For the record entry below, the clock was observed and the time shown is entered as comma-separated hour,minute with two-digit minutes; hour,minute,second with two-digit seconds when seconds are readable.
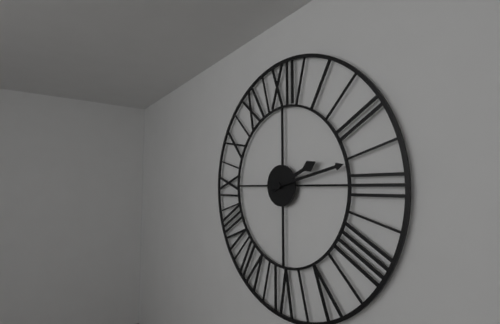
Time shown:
2,13
